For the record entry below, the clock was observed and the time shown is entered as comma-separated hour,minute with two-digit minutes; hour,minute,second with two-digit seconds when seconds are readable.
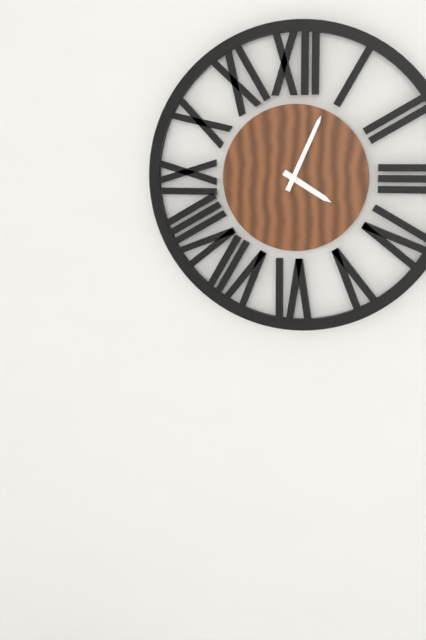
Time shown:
4,04
